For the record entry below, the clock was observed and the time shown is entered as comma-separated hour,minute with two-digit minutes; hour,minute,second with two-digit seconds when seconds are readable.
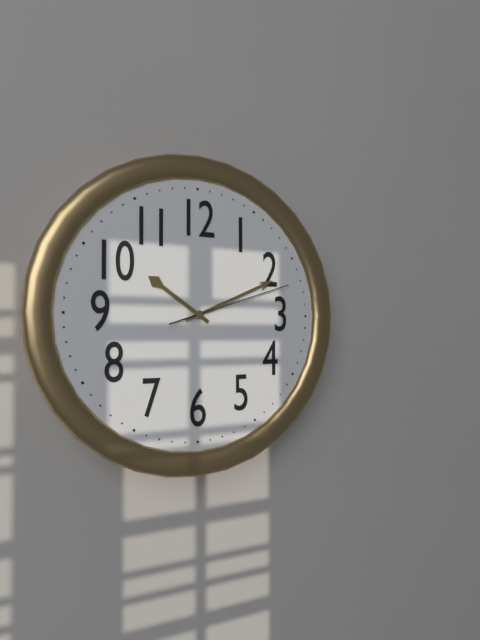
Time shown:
10,11,12
